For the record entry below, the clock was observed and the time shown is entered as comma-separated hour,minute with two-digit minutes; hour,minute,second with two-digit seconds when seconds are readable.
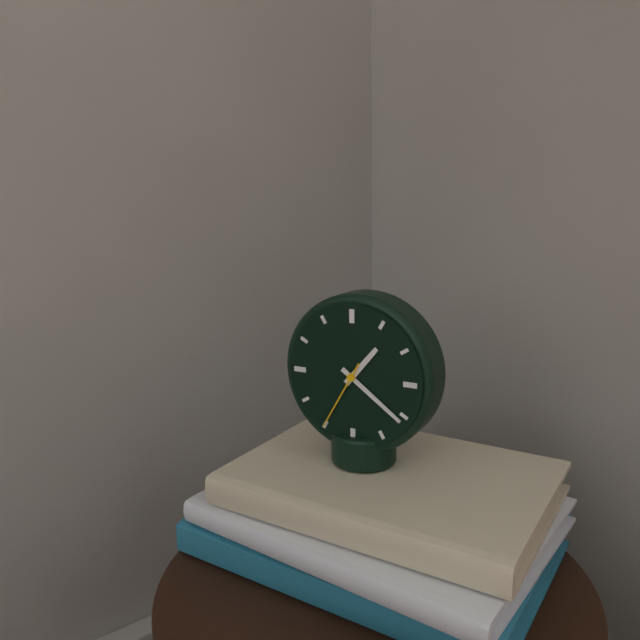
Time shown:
1,21,35
